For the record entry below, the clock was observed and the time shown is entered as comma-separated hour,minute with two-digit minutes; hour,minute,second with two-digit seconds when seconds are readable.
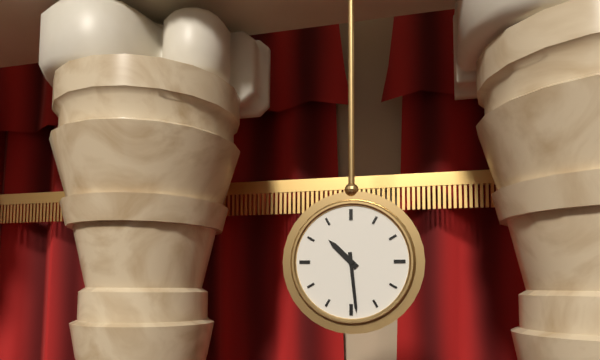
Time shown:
10,29
